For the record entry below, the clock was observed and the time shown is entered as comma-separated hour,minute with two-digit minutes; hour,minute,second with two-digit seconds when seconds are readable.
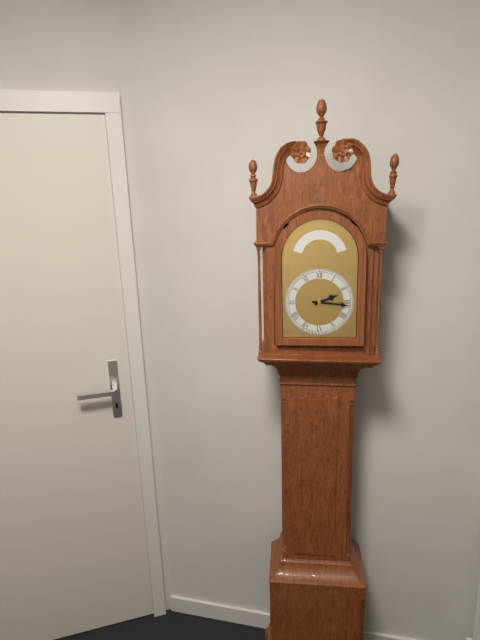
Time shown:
2,16
